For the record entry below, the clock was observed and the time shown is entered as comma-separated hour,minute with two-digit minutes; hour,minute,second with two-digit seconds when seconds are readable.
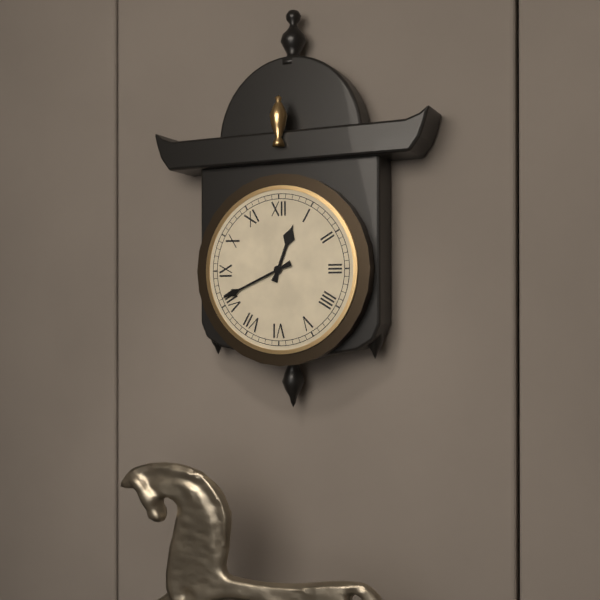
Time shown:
12,41
